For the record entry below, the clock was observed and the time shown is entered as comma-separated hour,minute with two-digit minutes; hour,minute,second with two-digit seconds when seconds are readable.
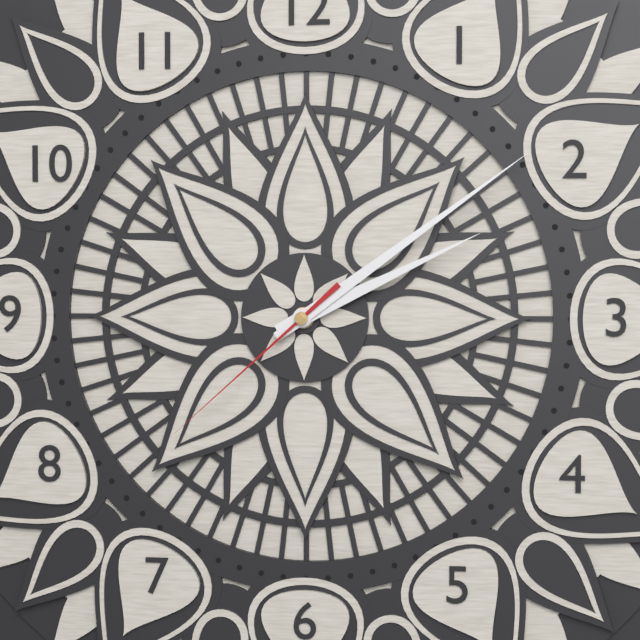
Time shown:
2,09,38
